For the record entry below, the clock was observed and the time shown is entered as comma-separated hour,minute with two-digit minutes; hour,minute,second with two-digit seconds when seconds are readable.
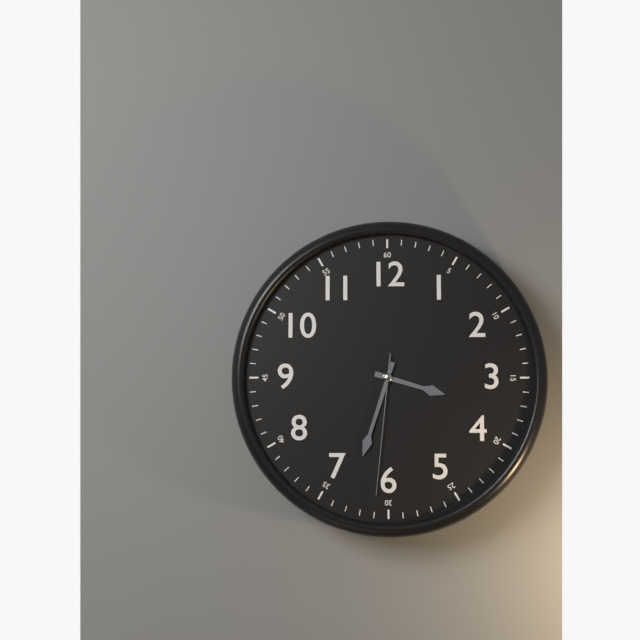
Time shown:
3,33,31
